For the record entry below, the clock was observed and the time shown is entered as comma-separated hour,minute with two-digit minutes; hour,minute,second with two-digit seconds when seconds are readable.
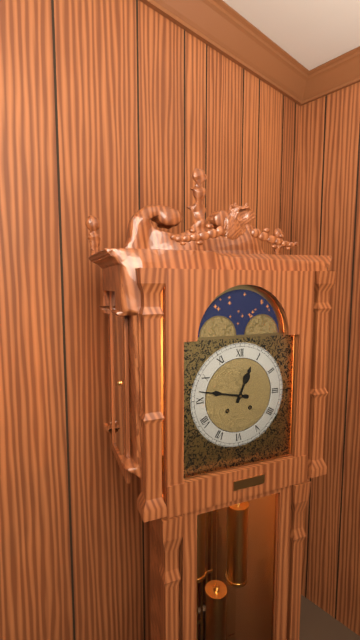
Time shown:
12,47
